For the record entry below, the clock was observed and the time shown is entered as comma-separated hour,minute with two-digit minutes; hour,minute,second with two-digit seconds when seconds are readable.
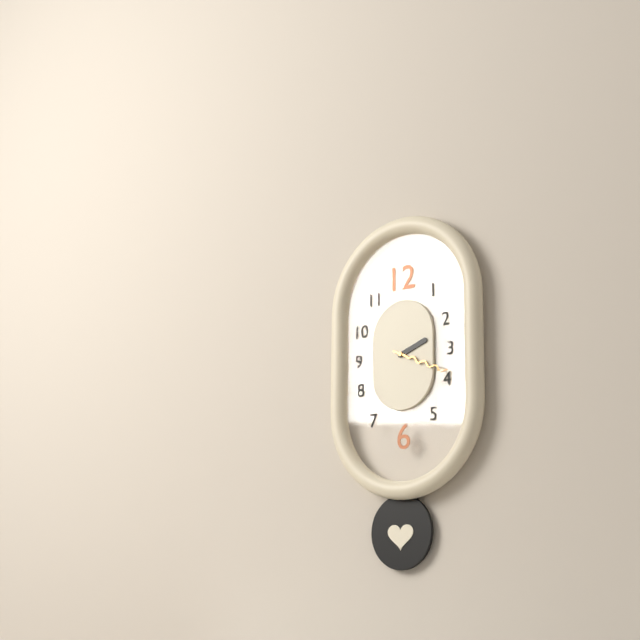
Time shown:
2,19
